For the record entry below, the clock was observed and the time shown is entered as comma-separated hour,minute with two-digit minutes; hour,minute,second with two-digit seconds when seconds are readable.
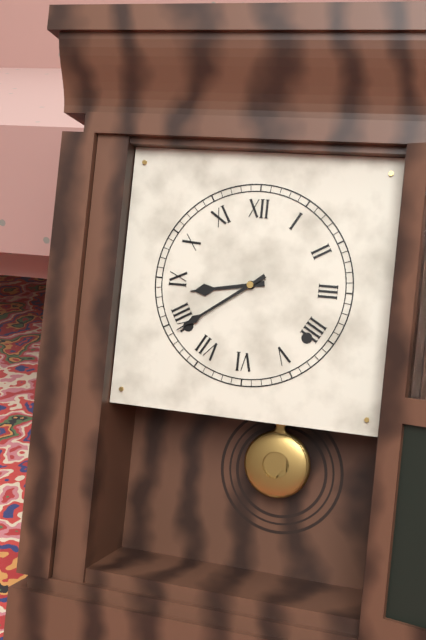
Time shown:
8,39
